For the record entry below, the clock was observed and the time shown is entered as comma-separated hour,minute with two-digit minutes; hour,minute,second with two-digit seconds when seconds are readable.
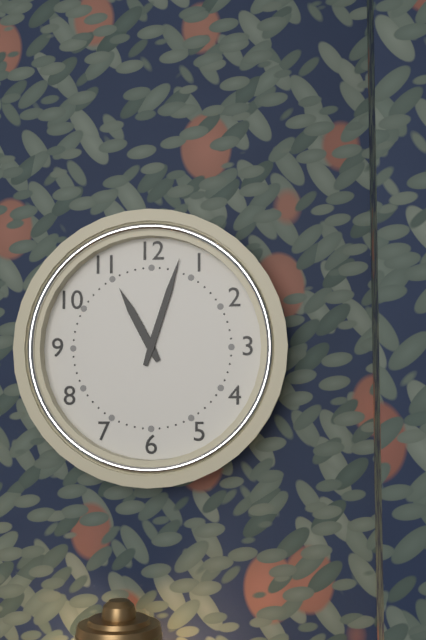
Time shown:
11,03
